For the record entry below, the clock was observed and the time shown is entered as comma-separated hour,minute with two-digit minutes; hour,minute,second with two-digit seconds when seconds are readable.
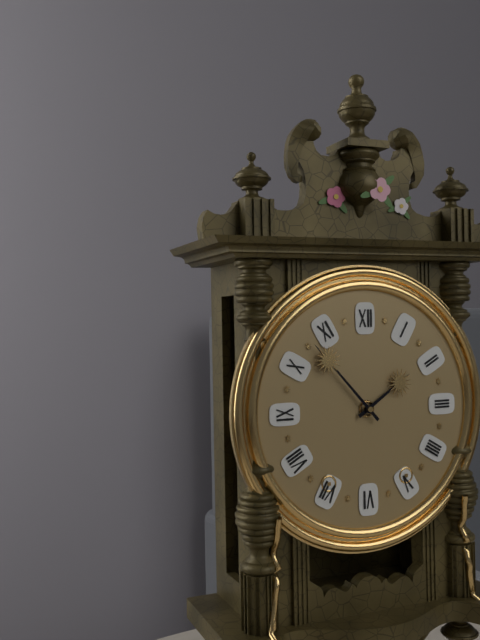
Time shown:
1,53
